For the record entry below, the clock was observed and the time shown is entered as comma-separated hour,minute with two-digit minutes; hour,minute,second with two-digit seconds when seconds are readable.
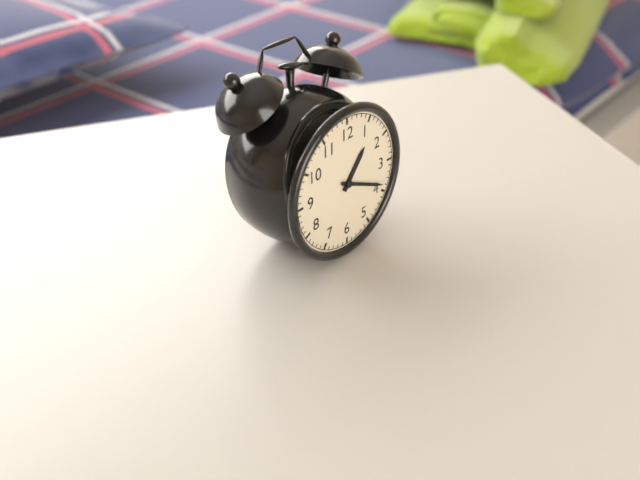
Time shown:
1,19
